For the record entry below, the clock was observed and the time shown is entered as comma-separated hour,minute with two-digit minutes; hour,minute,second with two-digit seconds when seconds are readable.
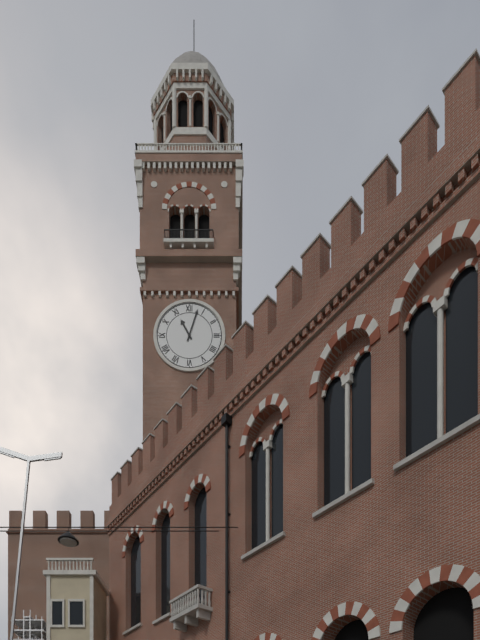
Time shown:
11,03
